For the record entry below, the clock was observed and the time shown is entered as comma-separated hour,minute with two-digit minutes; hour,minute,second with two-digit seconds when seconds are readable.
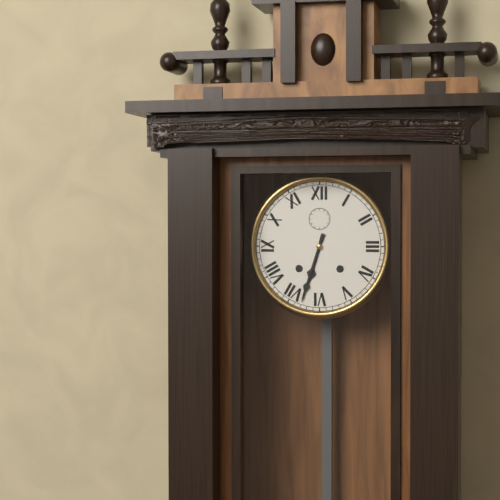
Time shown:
6,33
